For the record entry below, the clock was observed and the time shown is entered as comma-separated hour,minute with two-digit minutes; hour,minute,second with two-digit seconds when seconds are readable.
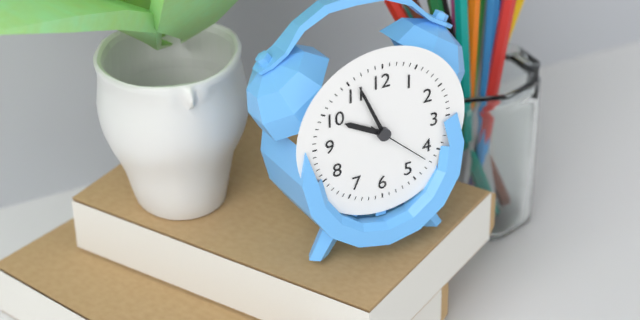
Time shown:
9,56,22
